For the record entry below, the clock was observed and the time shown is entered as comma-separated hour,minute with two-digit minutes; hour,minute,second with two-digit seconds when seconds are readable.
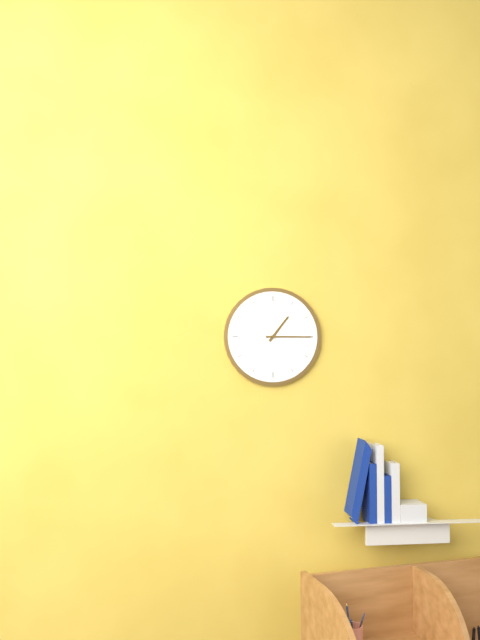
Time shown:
1,15
